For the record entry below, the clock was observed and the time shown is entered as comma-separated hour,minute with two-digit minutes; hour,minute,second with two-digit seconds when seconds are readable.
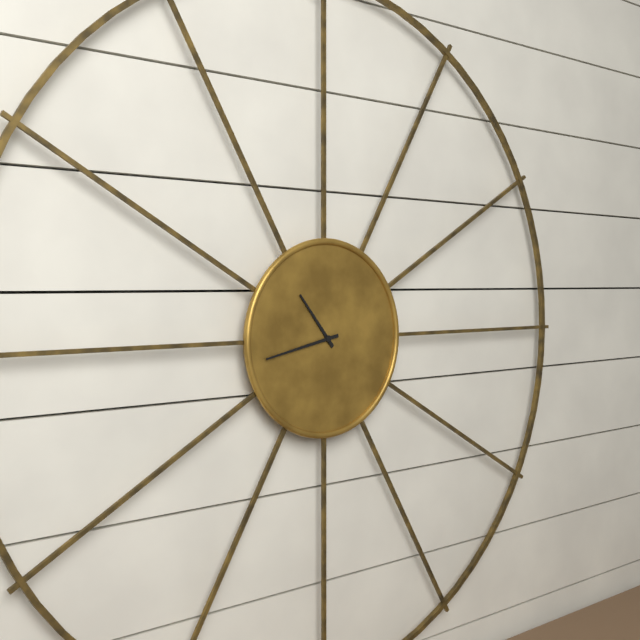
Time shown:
10,43
